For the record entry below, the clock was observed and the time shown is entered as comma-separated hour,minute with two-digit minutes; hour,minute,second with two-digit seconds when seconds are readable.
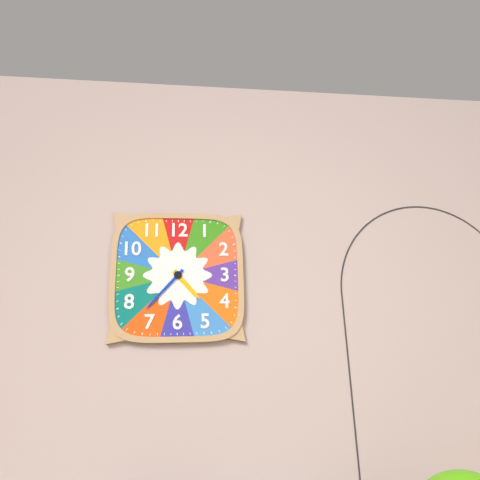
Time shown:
4,37
